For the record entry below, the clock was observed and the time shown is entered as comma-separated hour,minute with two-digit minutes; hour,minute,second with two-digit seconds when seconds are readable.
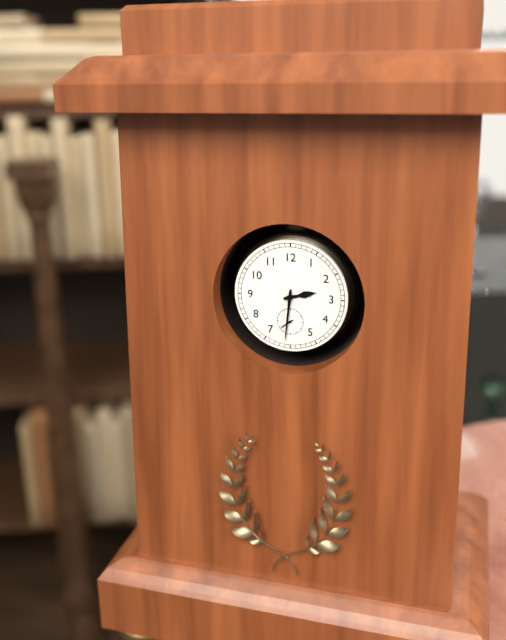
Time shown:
2,31
